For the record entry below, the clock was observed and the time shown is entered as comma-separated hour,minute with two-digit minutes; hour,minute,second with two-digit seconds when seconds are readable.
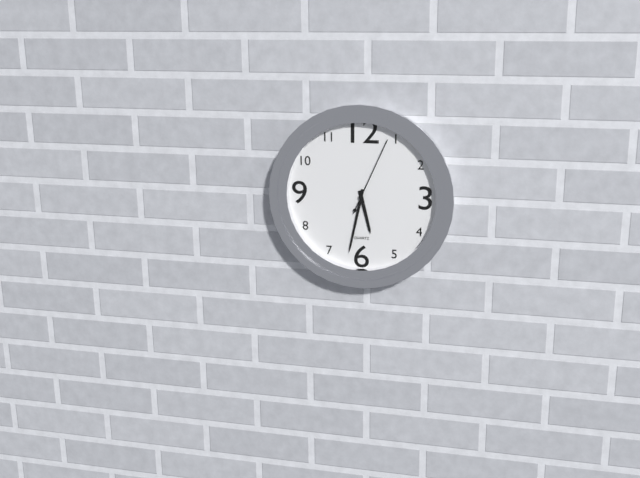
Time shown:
5,32,04
